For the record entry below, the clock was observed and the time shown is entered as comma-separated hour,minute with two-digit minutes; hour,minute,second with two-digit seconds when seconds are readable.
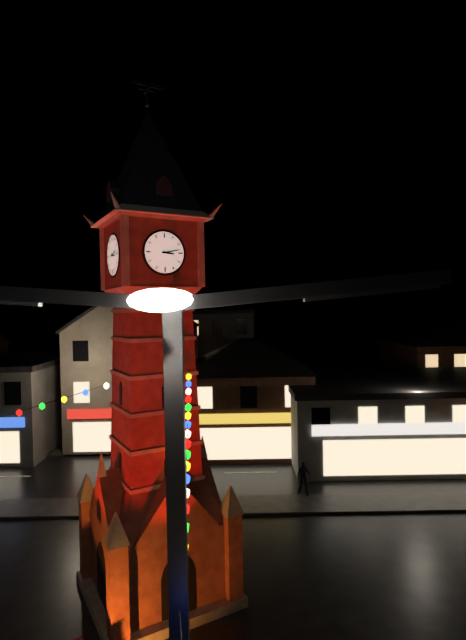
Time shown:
3,13
